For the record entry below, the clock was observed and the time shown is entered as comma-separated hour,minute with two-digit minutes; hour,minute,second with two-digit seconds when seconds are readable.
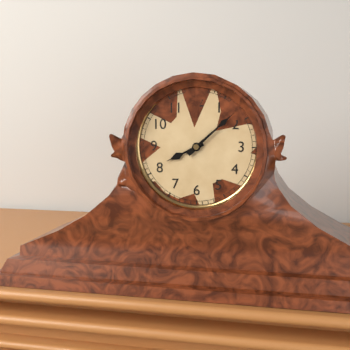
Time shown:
8,08
